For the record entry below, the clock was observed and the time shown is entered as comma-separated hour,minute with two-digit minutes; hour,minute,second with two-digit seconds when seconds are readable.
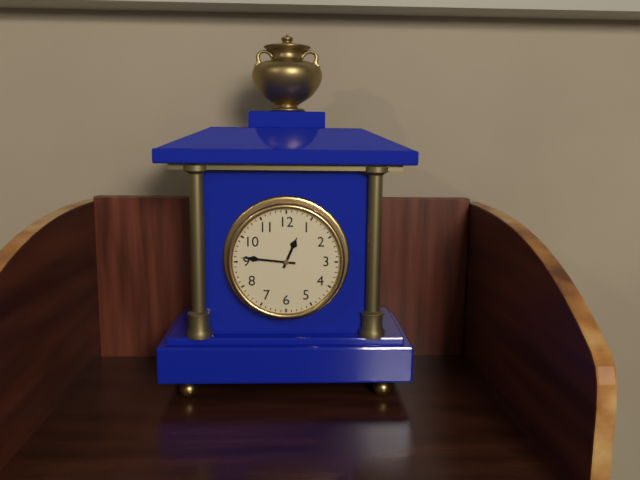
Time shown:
12,46
